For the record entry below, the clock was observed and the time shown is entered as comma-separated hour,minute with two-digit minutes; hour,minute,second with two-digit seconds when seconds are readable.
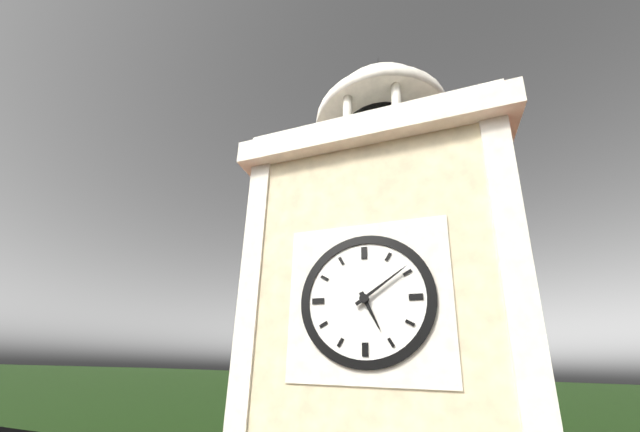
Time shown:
5,09
